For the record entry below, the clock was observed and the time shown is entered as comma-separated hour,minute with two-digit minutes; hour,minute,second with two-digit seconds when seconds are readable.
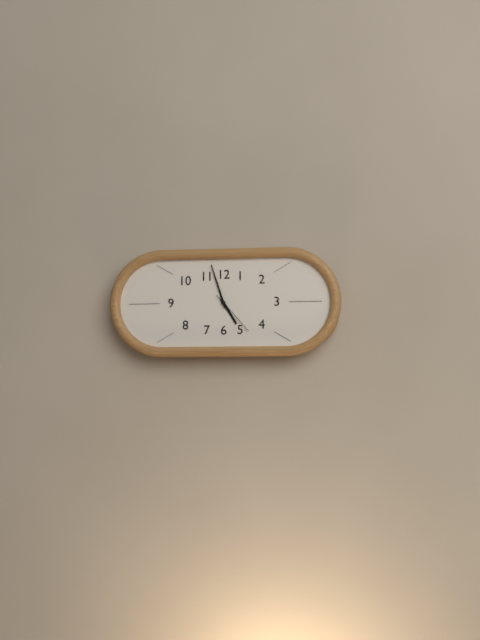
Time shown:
4,57
